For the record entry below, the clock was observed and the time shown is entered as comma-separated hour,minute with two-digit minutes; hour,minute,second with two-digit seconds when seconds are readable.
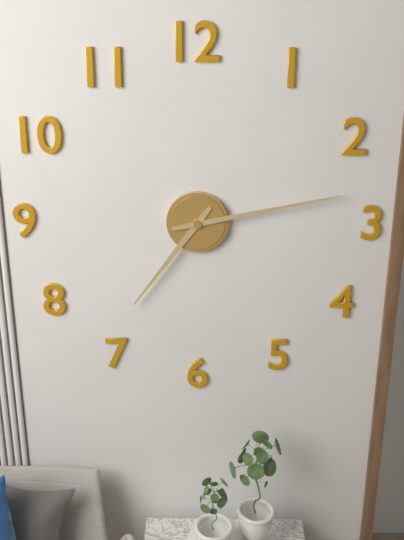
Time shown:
7,13
